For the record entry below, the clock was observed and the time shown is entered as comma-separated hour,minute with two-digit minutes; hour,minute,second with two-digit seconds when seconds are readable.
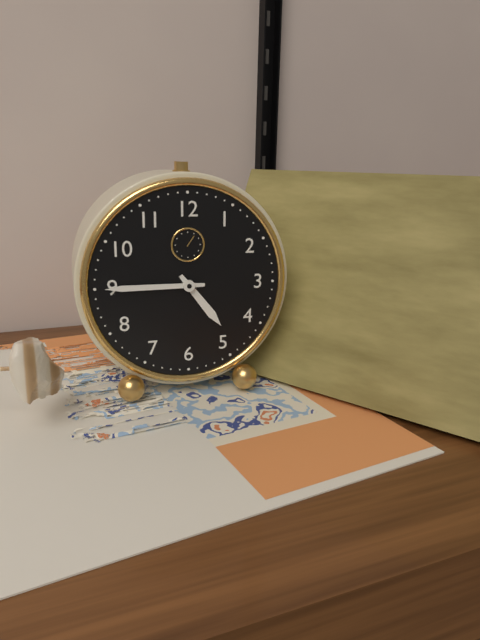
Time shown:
4,45
